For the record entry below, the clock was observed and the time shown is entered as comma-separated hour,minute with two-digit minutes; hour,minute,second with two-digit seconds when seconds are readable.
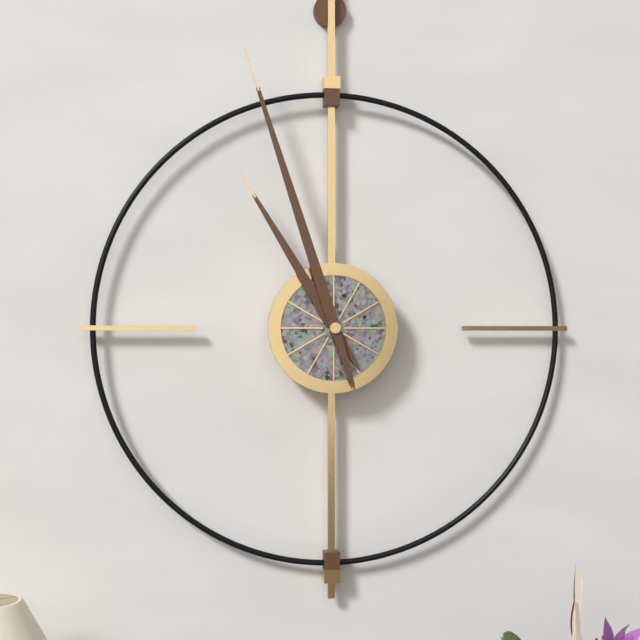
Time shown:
10,57
